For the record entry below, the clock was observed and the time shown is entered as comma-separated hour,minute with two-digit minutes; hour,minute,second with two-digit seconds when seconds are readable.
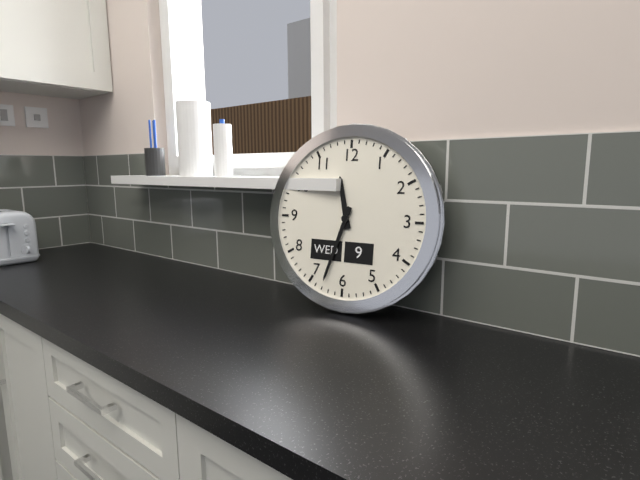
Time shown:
11,33
